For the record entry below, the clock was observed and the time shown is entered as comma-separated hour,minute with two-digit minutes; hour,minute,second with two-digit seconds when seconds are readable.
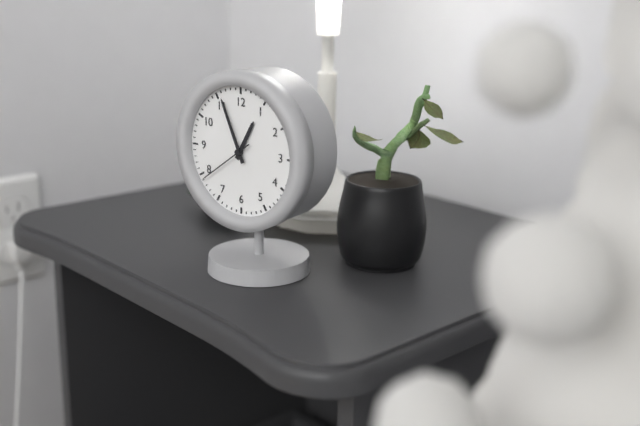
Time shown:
12,56,39
